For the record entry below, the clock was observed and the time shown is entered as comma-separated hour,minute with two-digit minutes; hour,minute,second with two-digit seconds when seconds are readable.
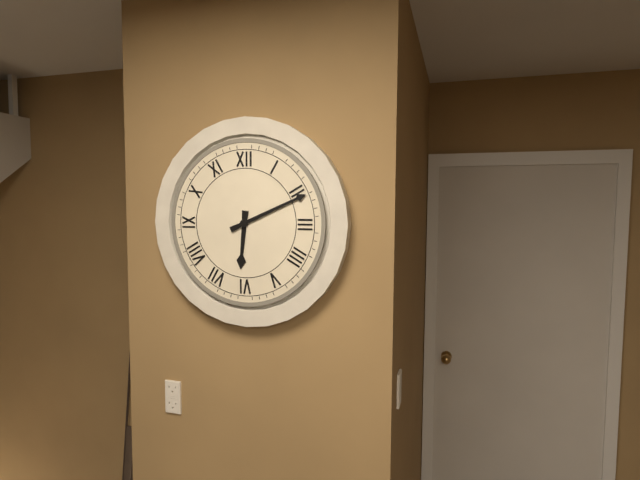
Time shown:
6,11
